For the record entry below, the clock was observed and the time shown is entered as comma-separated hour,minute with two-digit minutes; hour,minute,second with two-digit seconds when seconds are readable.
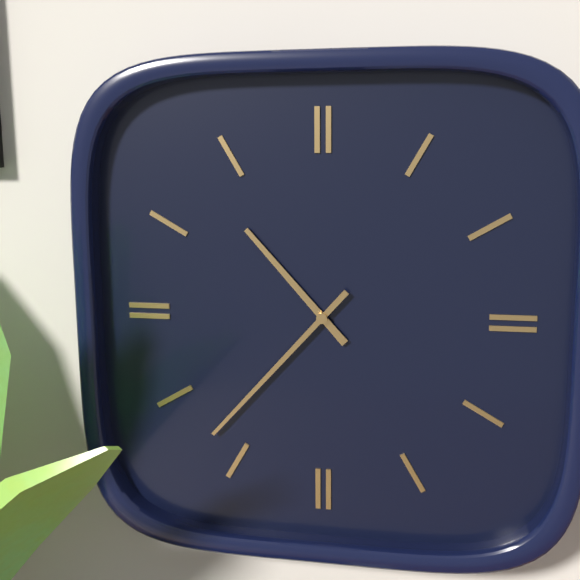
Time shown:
10,37
